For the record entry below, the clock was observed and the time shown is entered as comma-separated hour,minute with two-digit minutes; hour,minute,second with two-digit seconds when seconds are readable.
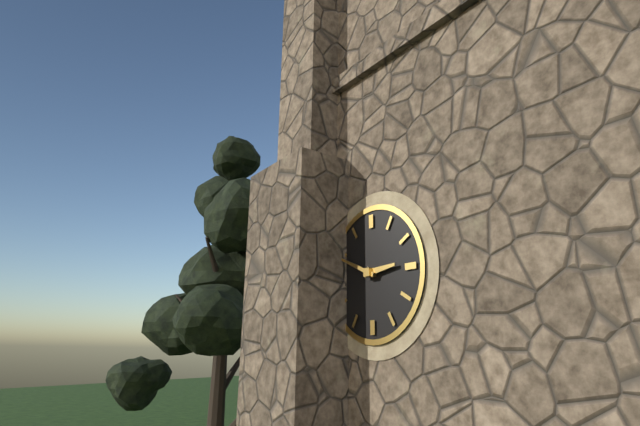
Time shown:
2,49
